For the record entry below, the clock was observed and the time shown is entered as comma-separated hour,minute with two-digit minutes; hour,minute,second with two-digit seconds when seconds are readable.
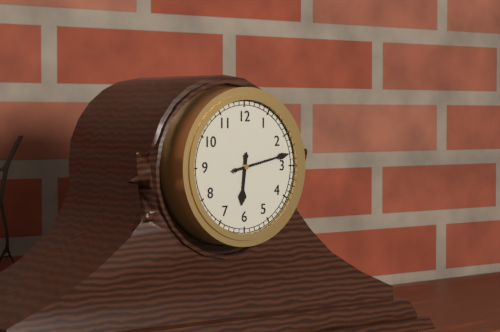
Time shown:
6,13
